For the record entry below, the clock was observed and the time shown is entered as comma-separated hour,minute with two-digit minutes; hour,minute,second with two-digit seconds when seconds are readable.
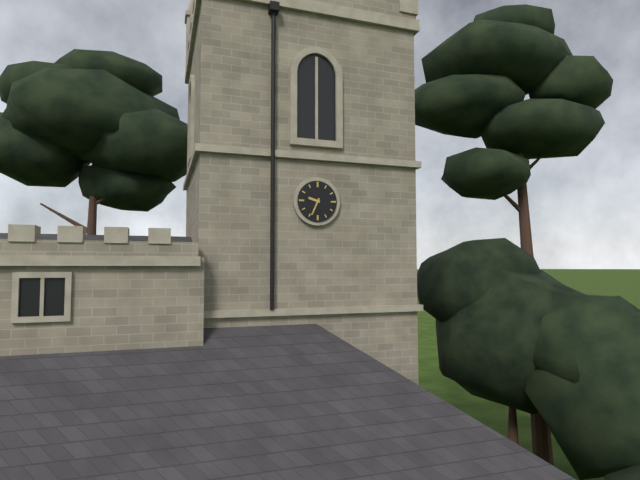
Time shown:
9,34
